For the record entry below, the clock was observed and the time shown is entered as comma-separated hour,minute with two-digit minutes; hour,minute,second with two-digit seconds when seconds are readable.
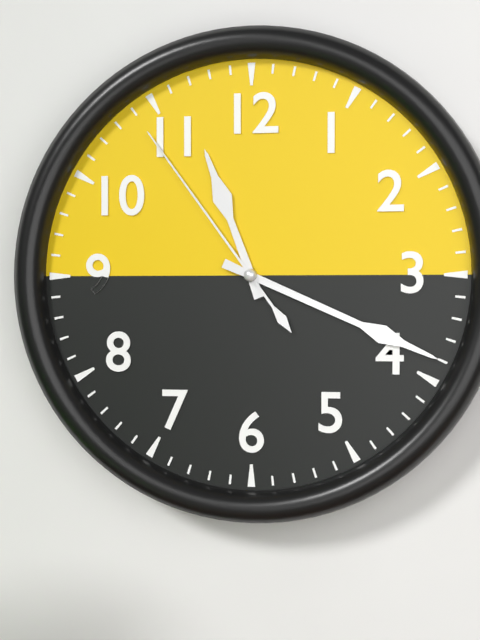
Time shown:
11,19,54
